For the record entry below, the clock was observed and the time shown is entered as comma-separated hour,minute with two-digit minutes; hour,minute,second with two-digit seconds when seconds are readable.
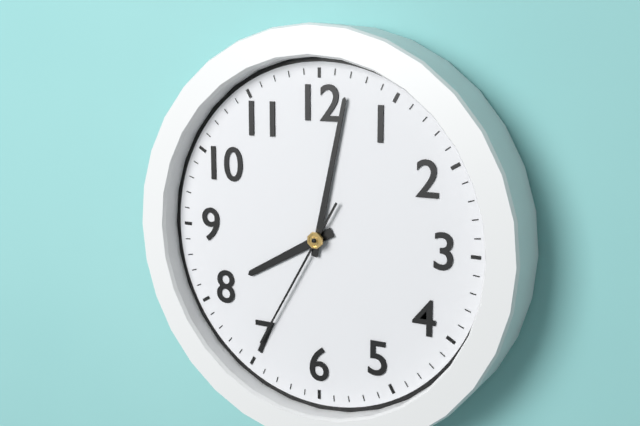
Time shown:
8,02,35
